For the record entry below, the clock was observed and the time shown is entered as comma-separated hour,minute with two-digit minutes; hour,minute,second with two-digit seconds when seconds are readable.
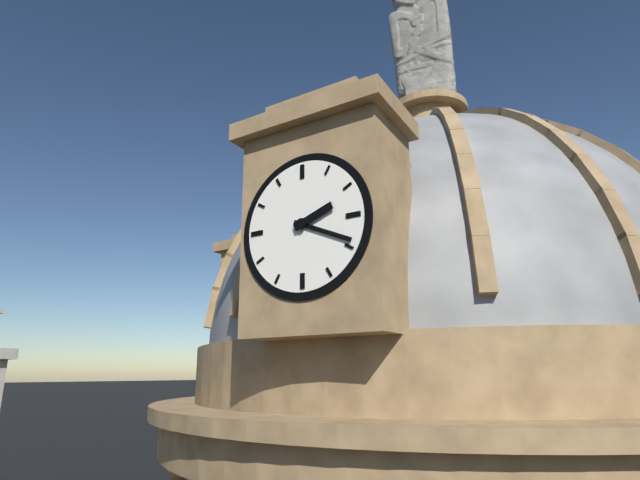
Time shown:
2,19
